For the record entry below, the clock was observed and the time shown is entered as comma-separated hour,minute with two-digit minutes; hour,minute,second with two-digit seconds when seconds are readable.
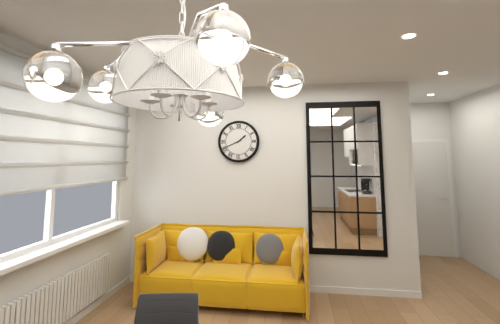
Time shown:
1,41
